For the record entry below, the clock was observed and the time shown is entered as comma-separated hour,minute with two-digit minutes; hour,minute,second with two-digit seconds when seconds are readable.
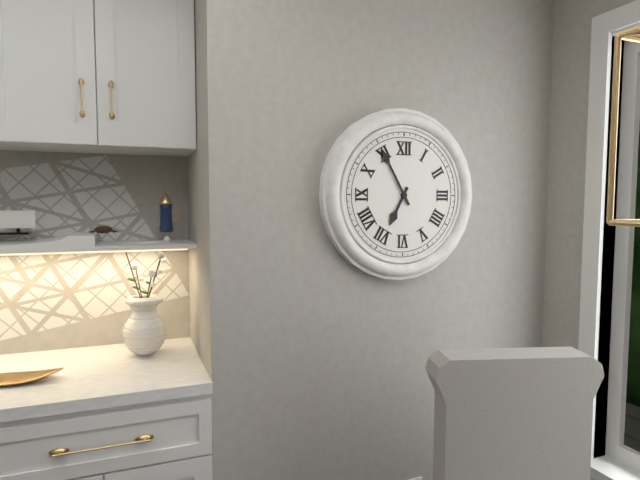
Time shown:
6,55
